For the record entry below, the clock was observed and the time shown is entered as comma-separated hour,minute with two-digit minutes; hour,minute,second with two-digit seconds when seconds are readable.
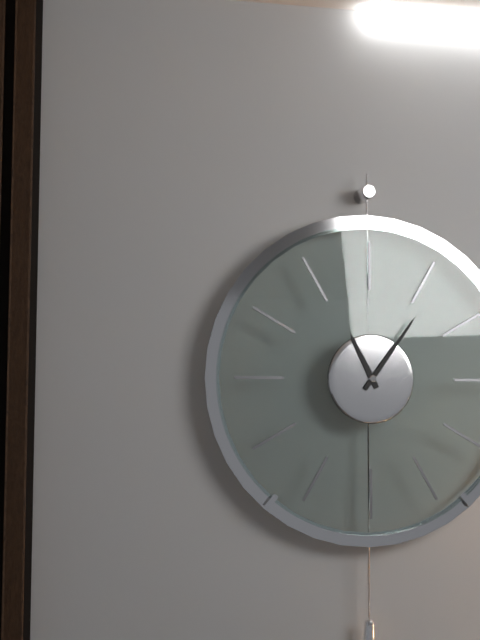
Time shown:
11,06
